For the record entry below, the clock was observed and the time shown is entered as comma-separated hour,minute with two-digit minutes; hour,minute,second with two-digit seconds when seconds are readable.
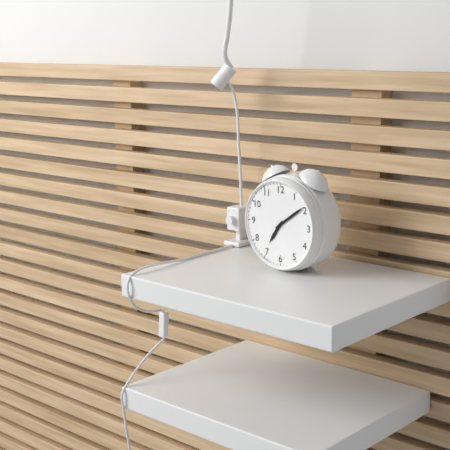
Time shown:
7,09
